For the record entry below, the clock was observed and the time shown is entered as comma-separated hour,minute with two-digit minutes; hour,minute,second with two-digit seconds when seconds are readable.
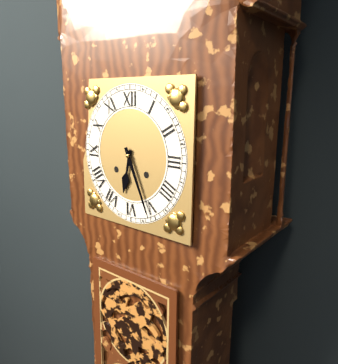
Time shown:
6,26
